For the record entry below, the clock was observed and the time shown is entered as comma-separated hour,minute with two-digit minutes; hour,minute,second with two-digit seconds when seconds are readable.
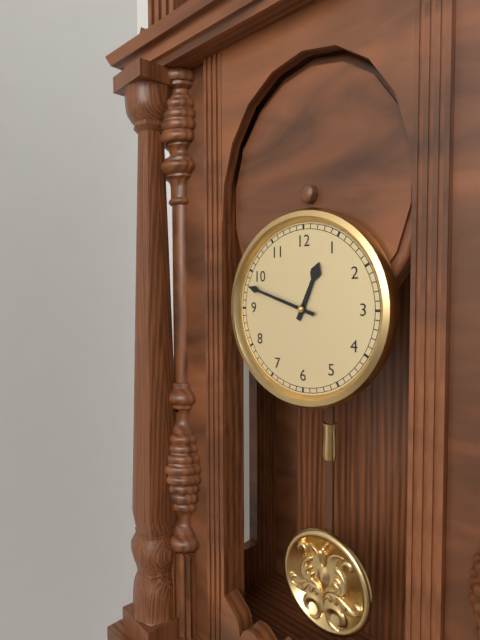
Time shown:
12,48
